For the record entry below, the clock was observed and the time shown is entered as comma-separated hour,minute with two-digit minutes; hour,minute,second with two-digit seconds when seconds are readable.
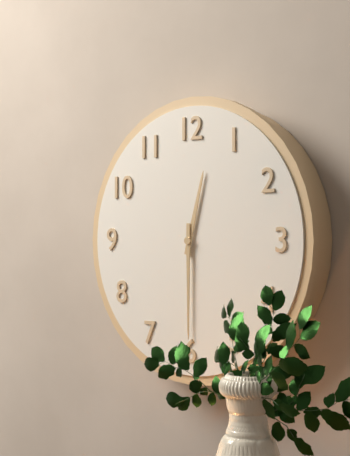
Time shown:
12,30
